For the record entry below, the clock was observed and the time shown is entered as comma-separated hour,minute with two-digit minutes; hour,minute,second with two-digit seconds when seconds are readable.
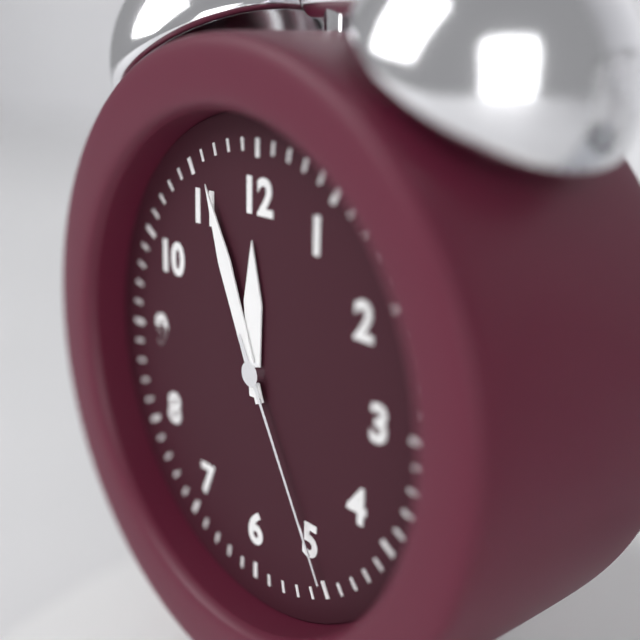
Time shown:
11,56,25
